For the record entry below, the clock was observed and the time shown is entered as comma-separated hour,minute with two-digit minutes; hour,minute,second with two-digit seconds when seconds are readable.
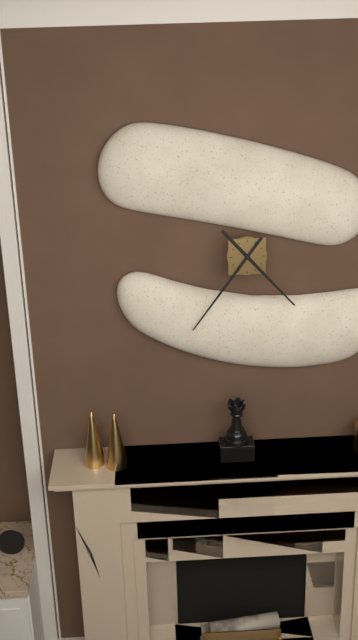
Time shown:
4,36
